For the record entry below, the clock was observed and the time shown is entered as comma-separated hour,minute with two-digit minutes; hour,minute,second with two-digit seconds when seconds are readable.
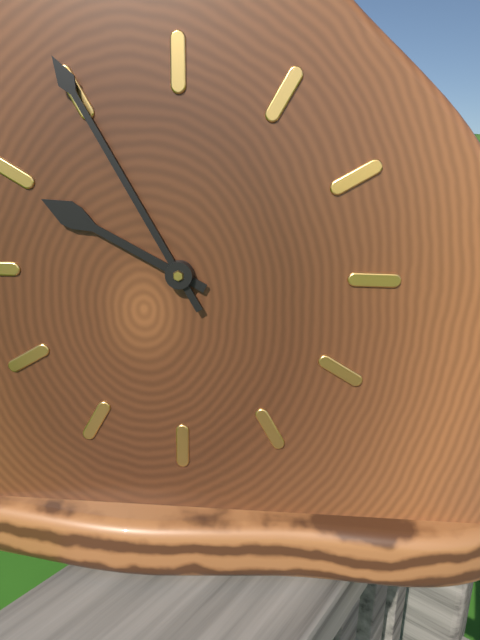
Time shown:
9,55
